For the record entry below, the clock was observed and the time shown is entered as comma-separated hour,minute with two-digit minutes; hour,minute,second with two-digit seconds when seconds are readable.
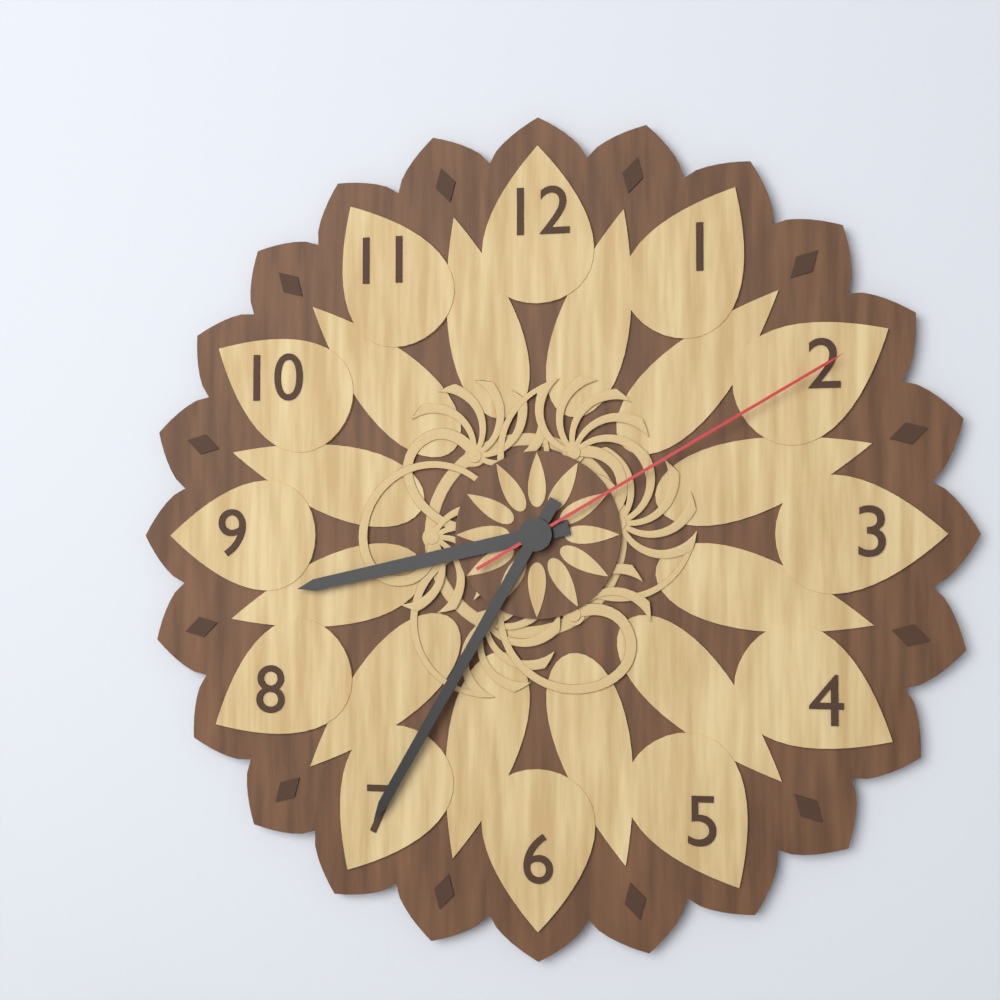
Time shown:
8,35,10
